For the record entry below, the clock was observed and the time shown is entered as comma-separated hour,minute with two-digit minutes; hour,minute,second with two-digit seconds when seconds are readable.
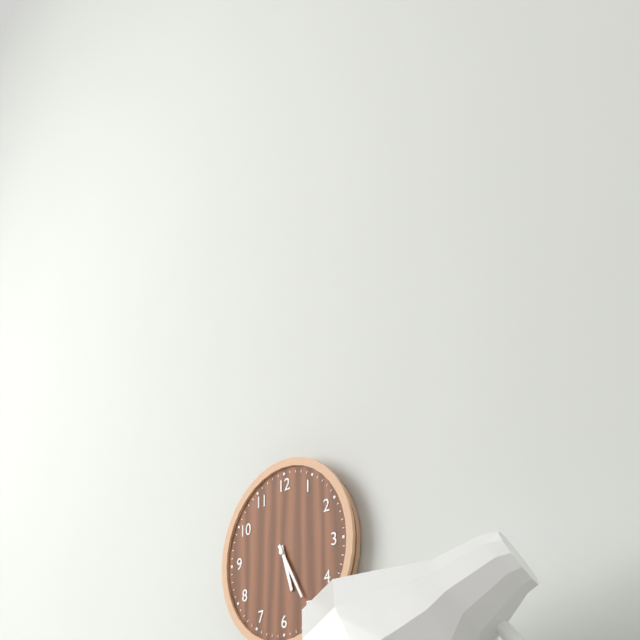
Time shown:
5,25
